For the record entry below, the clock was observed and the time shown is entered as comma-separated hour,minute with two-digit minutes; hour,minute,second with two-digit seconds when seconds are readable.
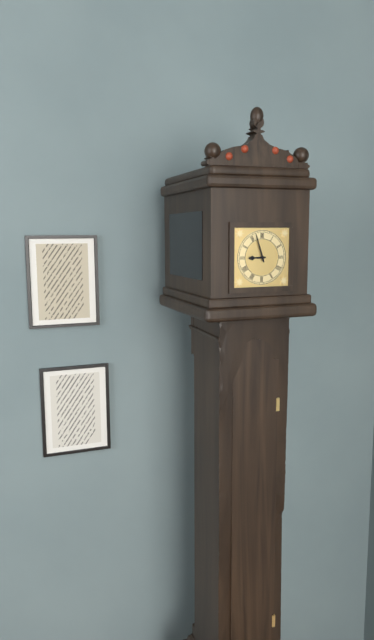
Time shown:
8,57
